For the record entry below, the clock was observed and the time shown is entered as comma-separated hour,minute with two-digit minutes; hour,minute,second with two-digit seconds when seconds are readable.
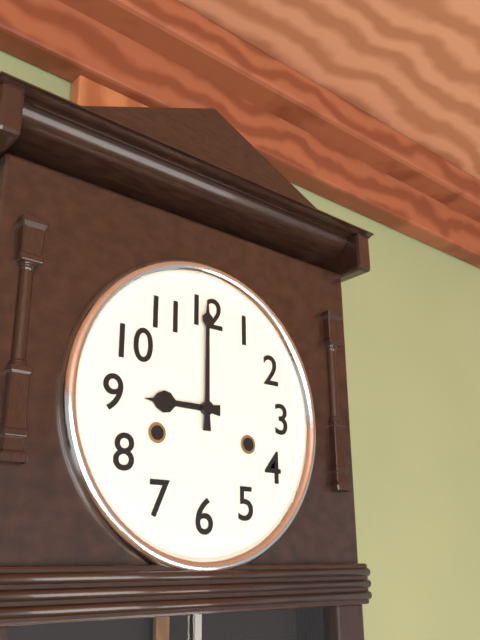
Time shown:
9,00
